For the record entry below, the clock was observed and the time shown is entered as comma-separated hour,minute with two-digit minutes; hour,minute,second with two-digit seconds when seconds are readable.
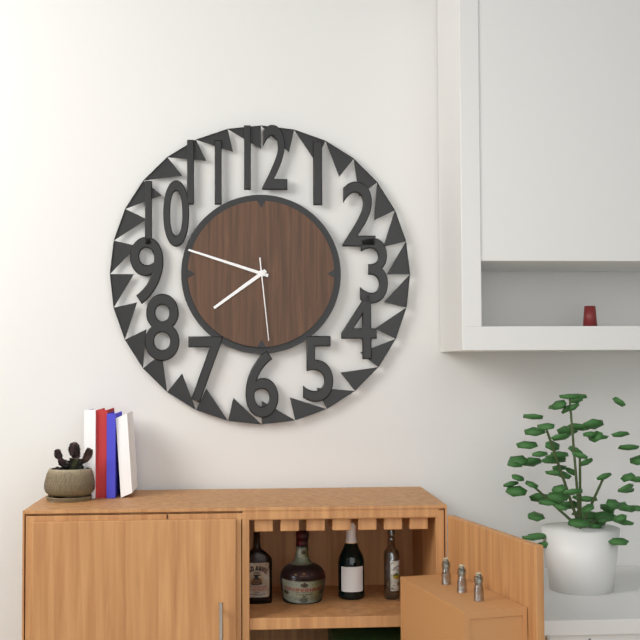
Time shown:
7,48,29
